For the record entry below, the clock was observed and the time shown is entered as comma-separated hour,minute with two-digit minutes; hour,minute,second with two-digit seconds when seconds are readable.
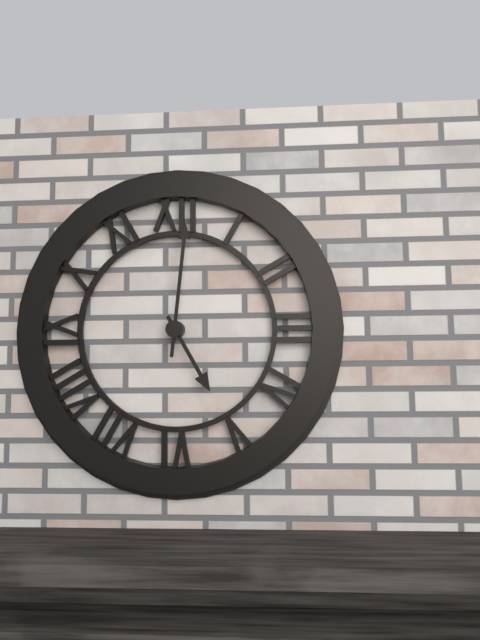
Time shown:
5,01
